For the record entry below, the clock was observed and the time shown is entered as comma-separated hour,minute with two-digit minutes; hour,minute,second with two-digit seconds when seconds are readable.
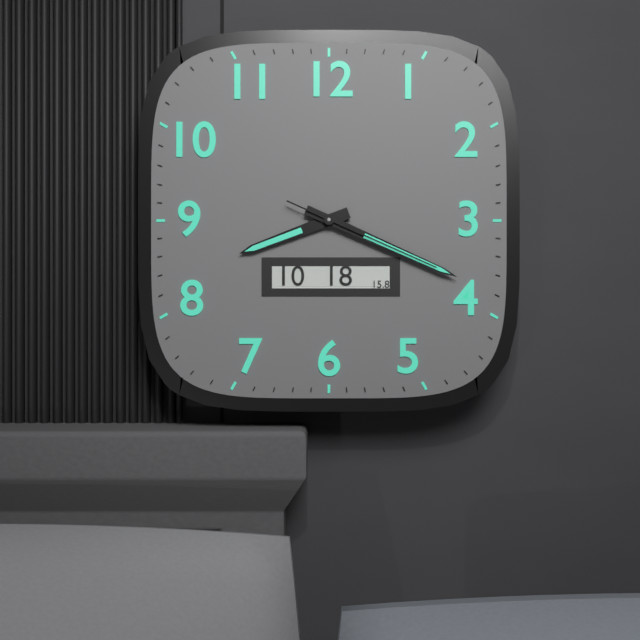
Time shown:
8,19,19
